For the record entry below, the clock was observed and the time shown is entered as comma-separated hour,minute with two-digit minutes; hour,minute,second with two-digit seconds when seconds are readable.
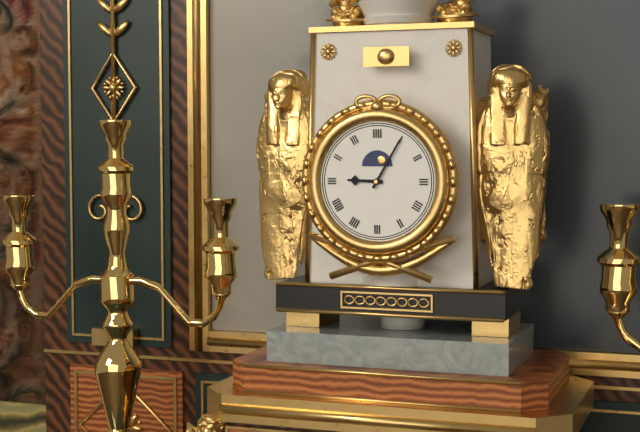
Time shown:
9,05
